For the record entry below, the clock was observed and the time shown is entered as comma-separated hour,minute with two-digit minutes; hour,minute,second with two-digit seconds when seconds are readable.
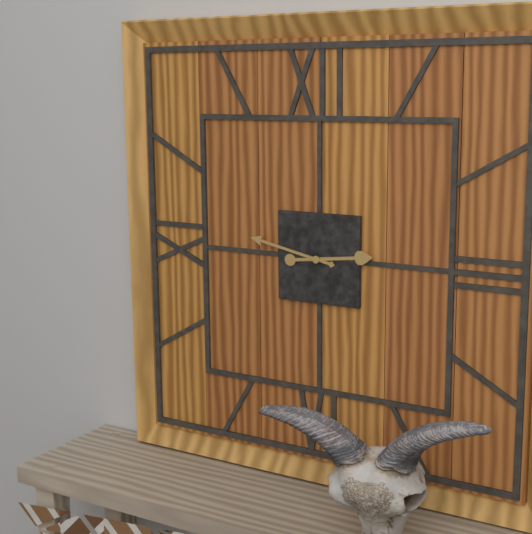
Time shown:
2,47
